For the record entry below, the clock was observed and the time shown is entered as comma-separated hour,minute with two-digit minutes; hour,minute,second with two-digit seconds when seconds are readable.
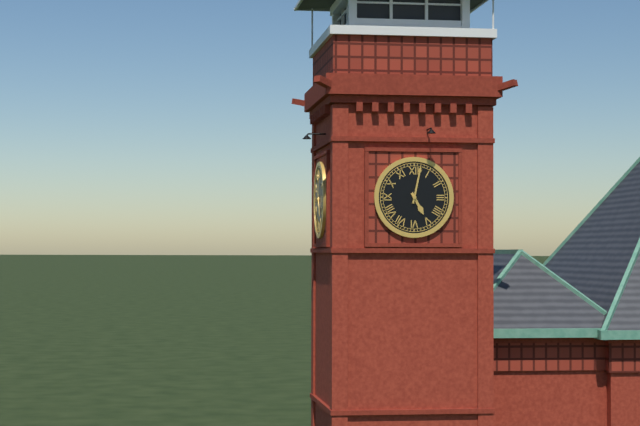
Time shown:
5,02
